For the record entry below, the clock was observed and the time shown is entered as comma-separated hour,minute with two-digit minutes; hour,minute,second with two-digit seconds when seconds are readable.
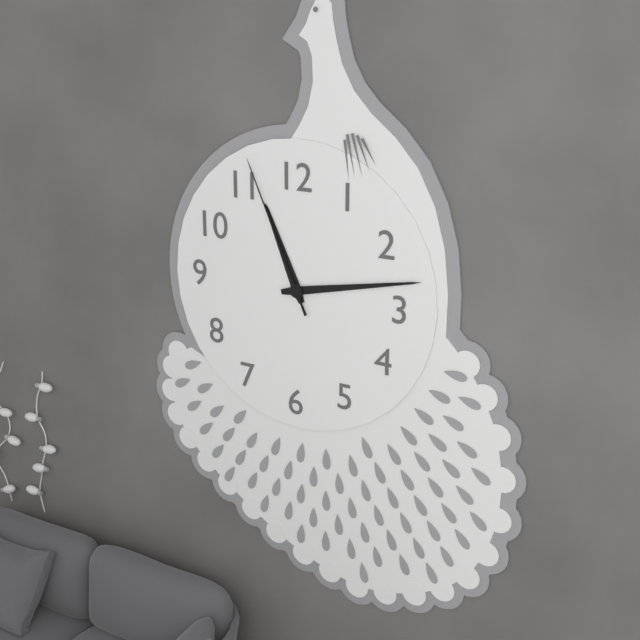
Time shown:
11,13,56
